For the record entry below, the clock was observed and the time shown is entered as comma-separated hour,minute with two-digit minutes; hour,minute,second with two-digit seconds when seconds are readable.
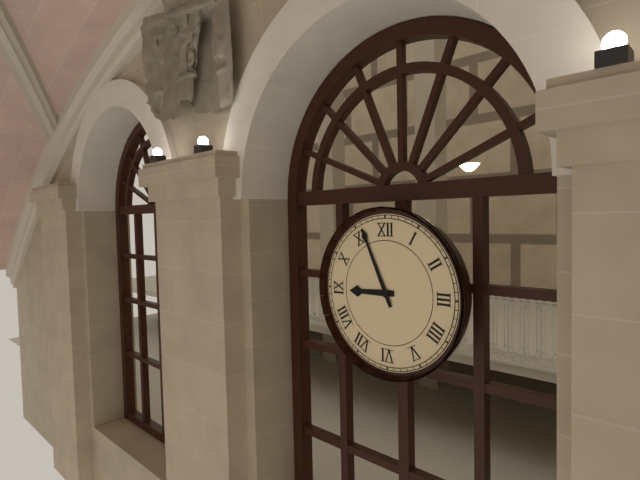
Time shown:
8,56
